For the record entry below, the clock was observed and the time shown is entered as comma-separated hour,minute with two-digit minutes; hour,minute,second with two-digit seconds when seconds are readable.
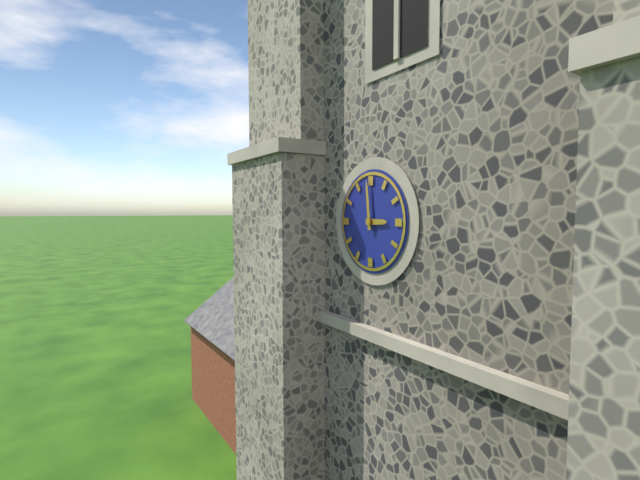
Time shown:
2,59
